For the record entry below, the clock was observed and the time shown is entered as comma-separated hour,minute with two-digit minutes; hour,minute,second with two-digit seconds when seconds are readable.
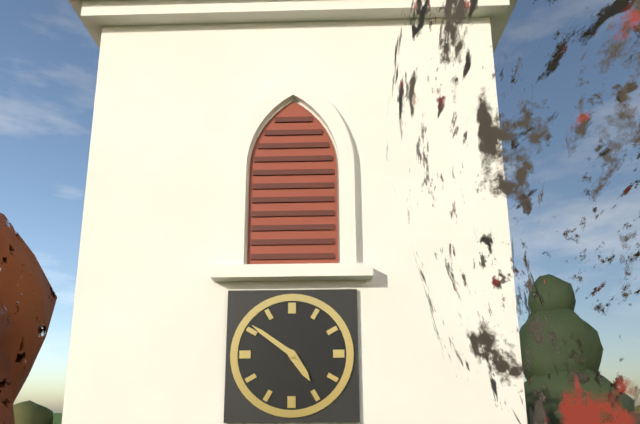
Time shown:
4,51
